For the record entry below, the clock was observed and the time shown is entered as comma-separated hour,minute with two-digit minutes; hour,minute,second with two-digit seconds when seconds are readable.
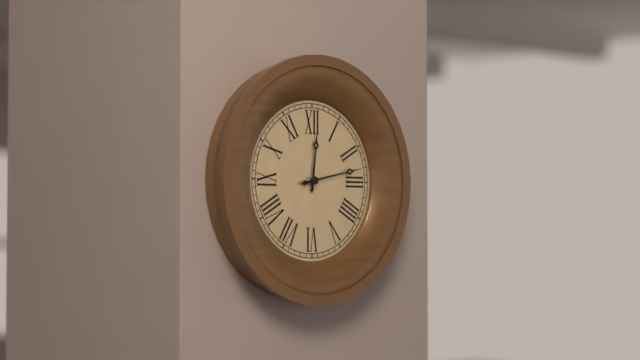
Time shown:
12,13
